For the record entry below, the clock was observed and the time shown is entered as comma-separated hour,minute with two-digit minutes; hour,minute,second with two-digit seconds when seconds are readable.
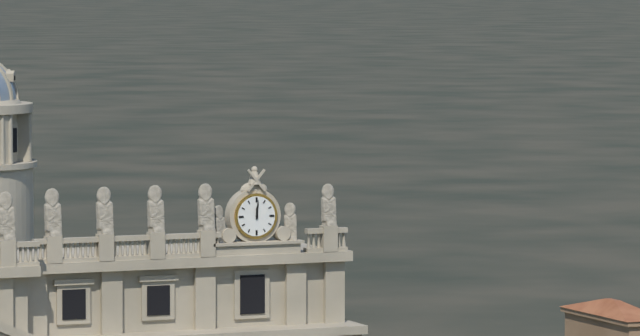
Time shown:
12,01
